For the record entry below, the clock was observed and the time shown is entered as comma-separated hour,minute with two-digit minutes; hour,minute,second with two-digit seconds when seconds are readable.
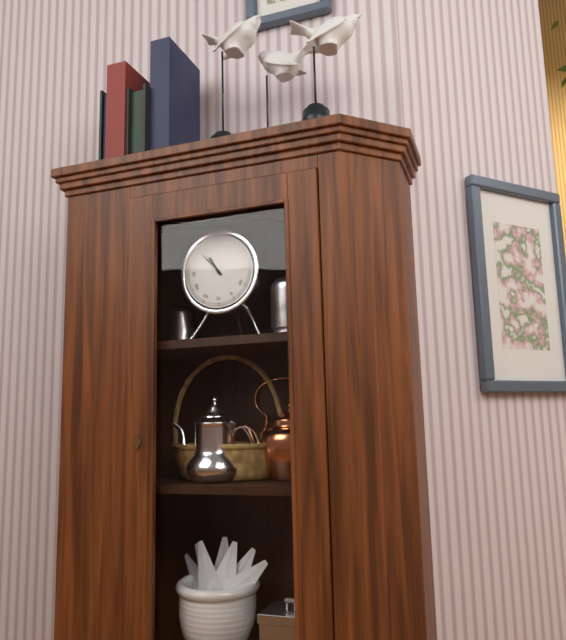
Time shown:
10,53
